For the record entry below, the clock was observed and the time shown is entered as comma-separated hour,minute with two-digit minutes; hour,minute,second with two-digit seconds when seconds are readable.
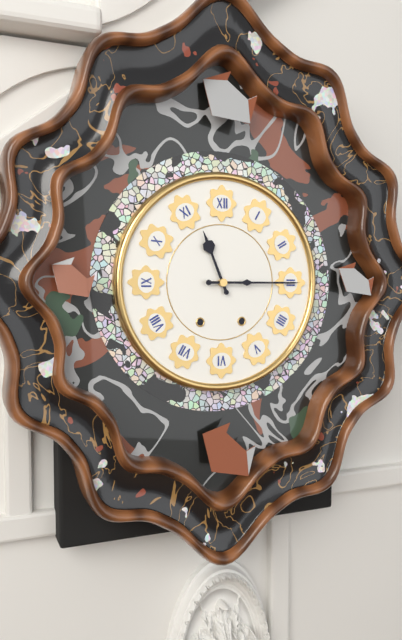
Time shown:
11,15
